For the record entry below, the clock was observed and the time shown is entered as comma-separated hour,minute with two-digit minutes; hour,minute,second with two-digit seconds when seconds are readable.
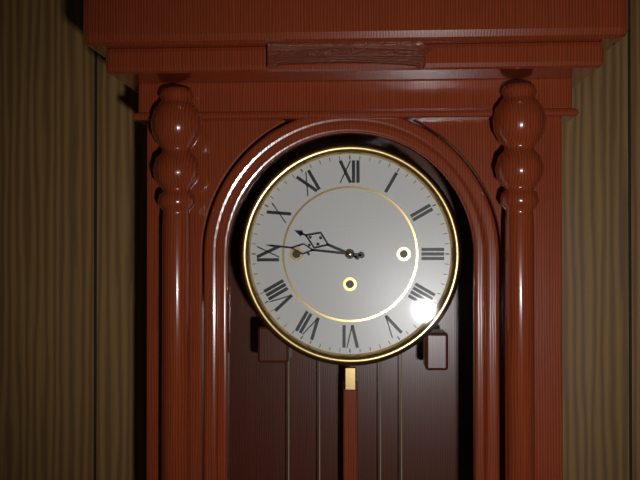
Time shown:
9,46
